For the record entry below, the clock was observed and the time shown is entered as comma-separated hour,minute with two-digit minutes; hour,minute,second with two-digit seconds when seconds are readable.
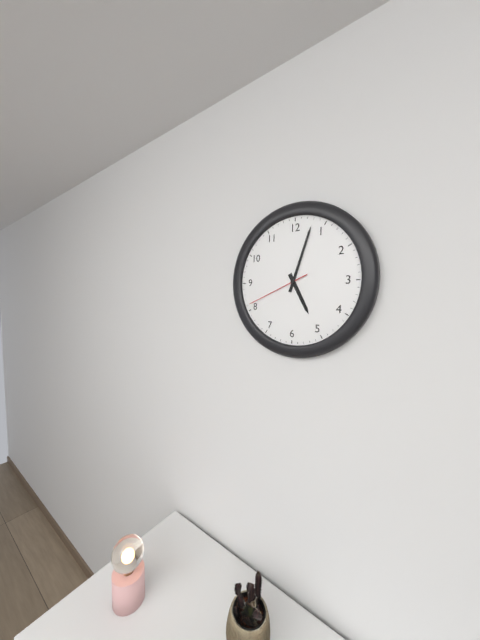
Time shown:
5,03,41
